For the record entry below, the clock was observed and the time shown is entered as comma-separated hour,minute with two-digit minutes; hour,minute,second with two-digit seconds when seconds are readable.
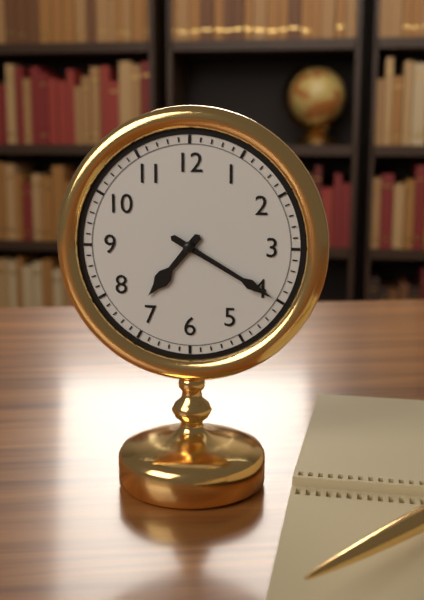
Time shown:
7,20
